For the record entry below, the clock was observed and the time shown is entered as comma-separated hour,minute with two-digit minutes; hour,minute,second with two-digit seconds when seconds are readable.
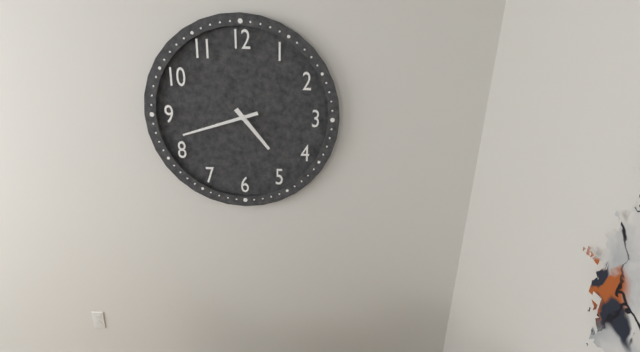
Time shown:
4,42
